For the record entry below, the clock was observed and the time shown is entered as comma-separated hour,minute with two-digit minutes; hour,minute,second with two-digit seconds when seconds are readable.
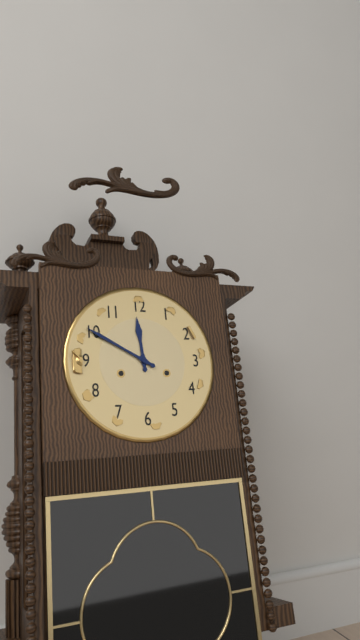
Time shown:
11,50
